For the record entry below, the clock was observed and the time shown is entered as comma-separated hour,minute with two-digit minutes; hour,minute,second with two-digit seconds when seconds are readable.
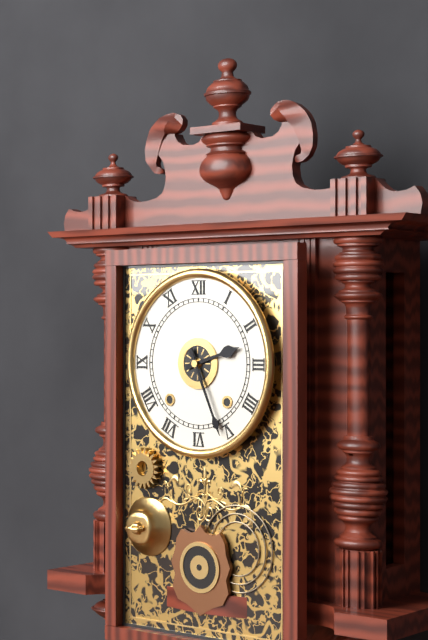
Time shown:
2,26
